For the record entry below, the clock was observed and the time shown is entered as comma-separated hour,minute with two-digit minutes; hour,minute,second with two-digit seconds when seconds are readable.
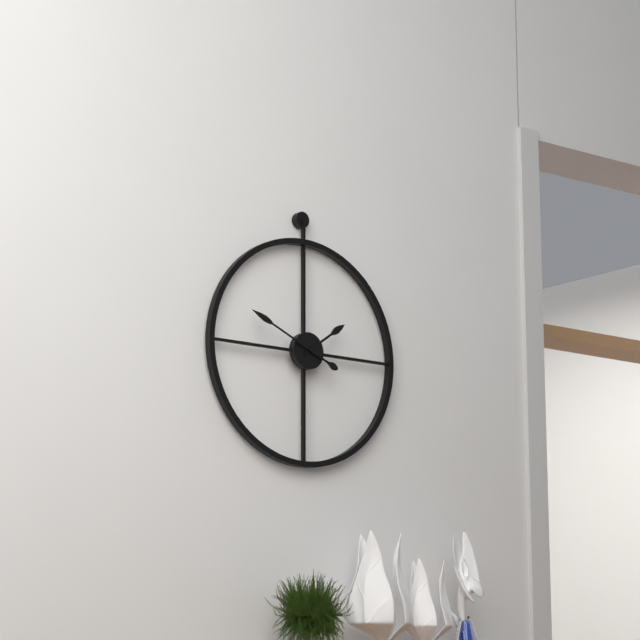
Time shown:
1,49
